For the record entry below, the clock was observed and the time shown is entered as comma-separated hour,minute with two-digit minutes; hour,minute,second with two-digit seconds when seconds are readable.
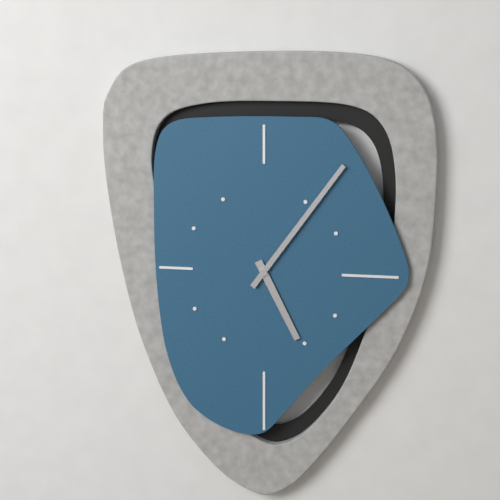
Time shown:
5,06
